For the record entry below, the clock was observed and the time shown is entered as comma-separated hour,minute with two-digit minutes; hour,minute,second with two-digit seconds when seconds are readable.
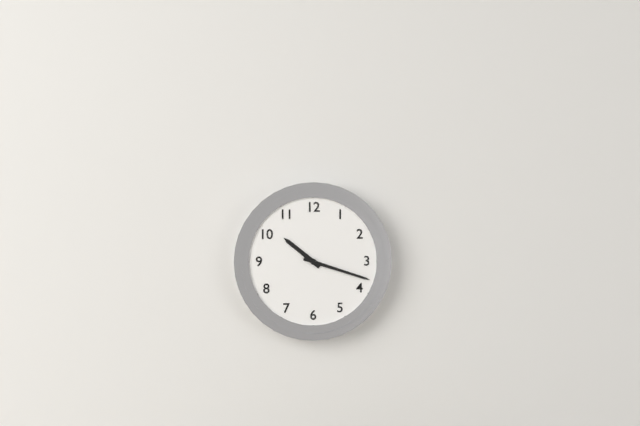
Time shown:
10,18
